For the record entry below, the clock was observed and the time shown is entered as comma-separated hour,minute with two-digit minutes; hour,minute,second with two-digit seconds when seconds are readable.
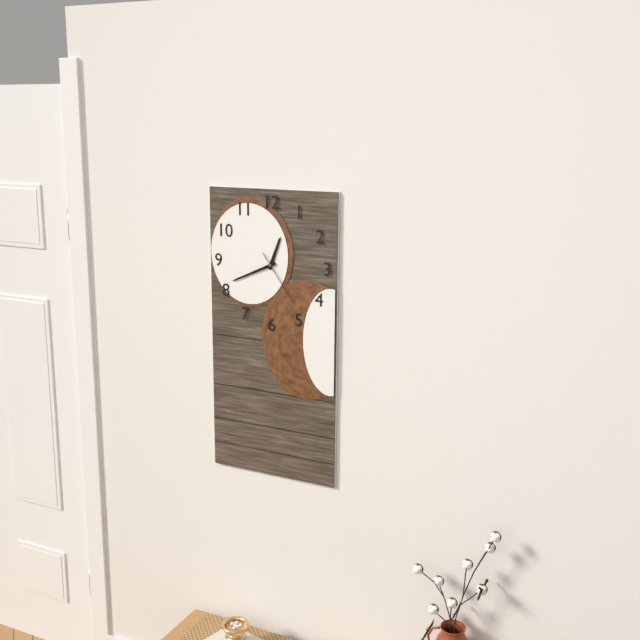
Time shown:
12,41,24
